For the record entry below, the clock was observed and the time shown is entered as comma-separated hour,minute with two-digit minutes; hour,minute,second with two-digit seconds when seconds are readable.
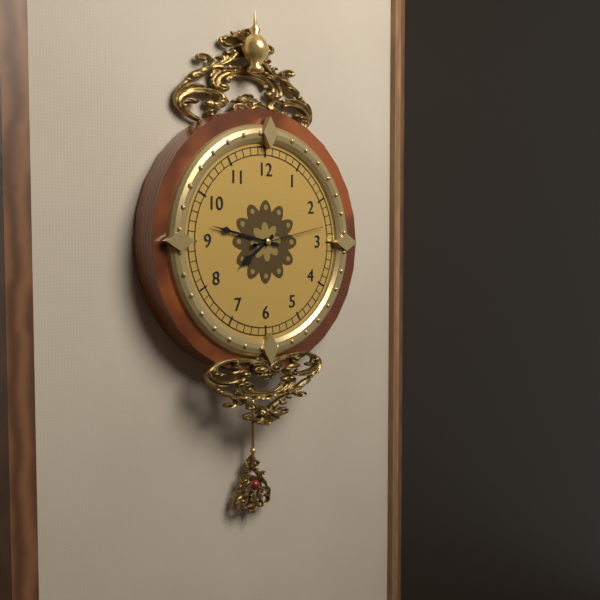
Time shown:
7,47,13
